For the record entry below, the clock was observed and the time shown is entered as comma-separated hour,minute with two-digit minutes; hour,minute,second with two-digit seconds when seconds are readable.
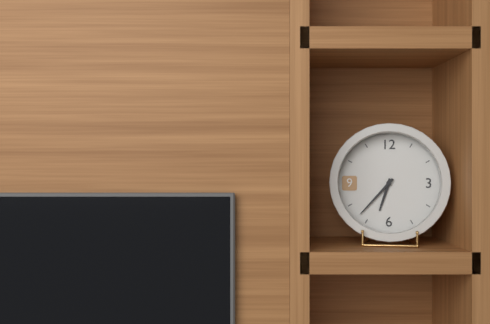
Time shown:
6,37
